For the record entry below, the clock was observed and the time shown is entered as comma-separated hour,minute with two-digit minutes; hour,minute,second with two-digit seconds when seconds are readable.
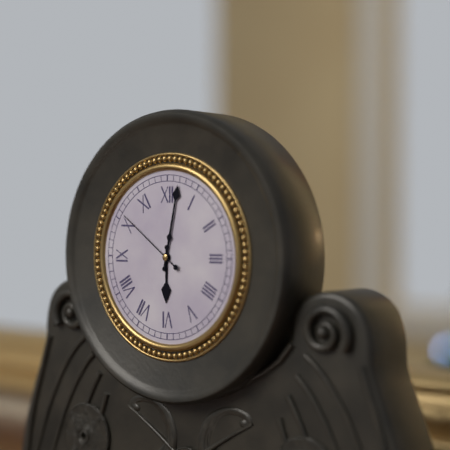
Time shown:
6,02,51
